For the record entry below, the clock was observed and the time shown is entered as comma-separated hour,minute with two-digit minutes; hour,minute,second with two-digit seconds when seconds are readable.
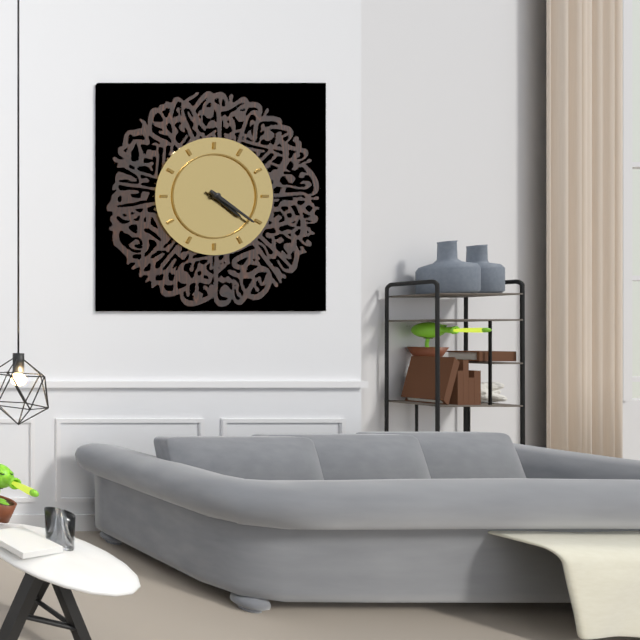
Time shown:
4,21
